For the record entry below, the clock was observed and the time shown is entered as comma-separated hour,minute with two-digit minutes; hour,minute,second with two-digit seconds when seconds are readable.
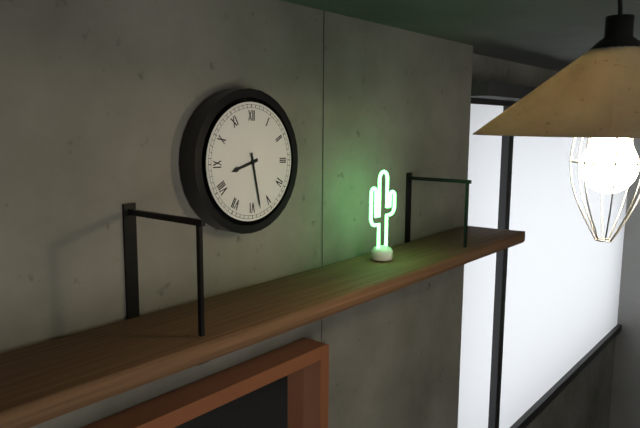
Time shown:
8,28
